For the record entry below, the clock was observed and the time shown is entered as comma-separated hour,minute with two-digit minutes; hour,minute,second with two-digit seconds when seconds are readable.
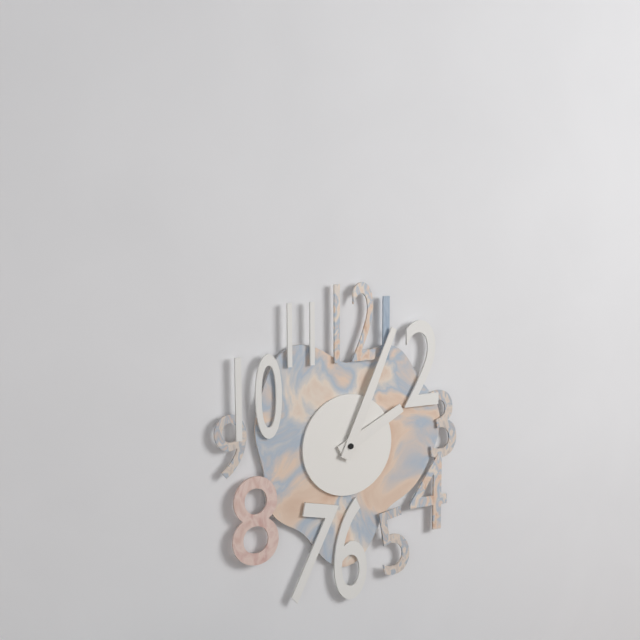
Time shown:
2,04
